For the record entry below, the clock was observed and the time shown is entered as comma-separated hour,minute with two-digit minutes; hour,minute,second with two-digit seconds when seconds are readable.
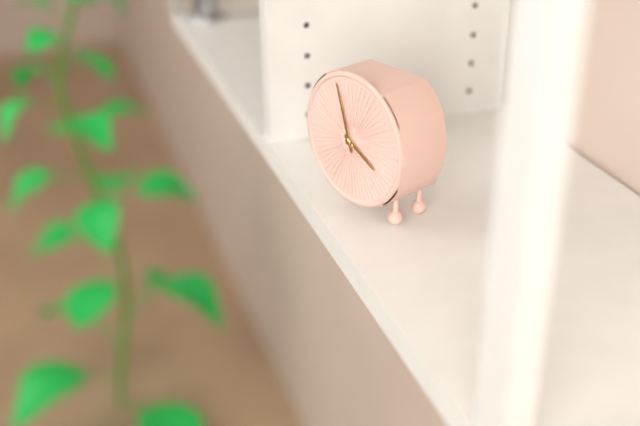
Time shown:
3,57
